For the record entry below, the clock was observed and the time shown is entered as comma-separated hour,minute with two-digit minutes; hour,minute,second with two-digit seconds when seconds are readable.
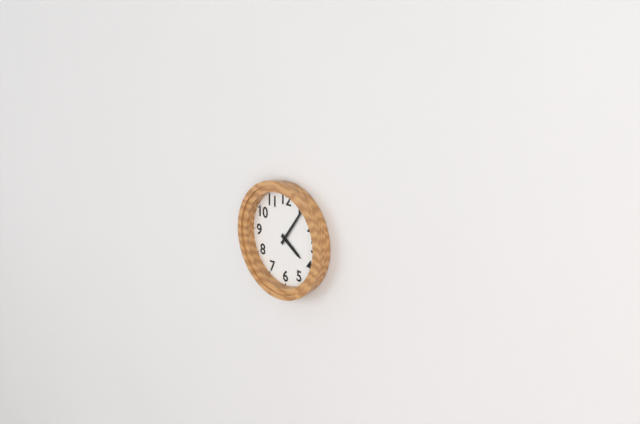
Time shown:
4,06
